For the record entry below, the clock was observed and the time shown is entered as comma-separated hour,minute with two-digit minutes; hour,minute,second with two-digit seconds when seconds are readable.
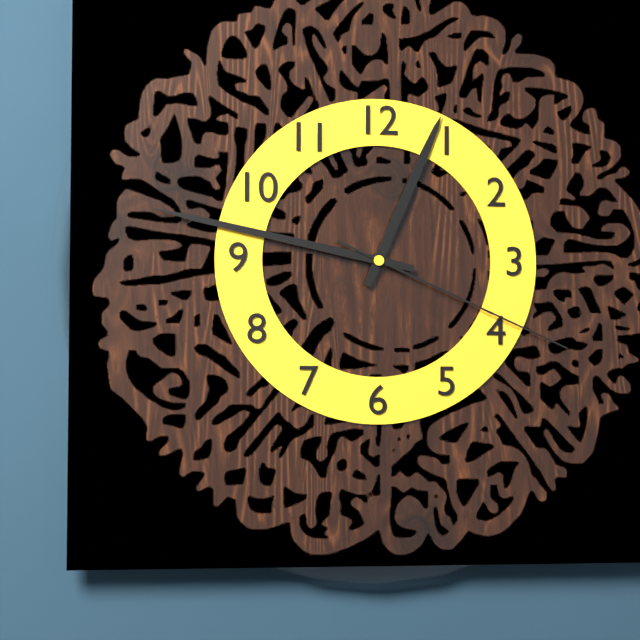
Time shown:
12,47,19
